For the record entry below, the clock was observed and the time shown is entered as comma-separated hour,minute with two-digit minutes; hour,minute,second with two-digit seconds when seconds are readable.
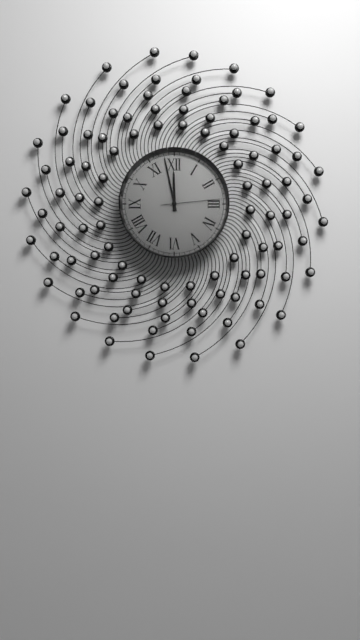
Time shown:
11,58,14
